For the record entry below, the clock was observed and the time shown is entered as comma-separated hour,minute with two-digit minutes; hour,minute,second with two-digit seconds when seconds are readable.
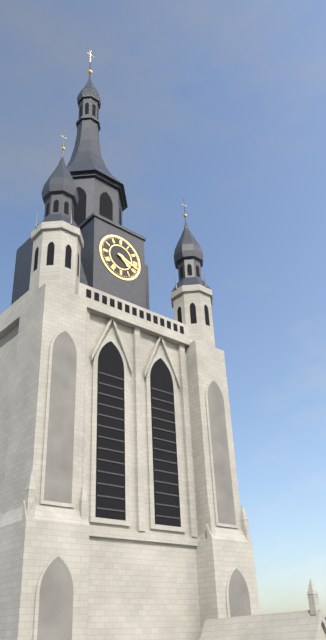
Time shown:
4,18
